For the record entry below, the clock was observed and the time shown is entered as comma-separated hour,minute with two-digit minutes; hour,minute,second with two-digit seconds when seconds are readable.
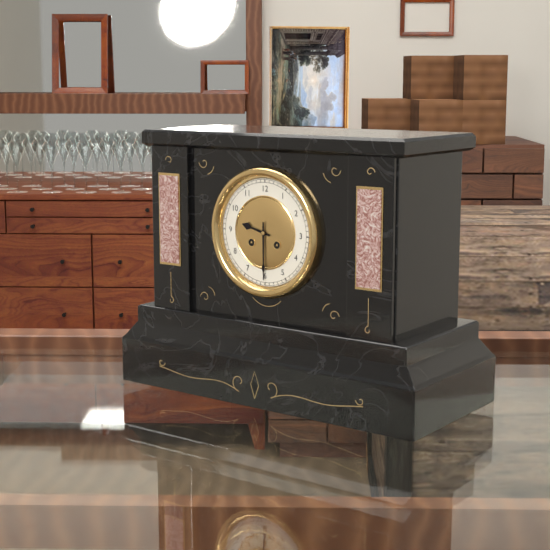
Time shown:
9,30
